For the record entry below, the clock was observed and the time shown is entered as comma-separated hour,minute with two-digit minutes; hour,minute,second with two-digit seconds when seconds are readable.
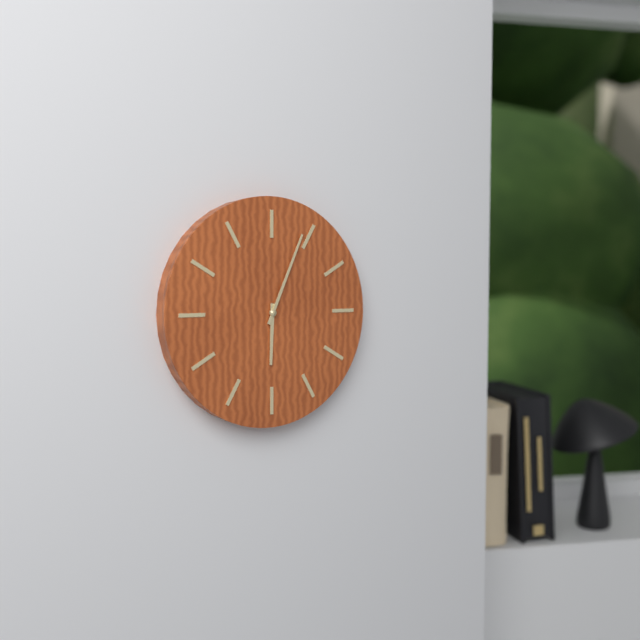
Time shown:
6,04
